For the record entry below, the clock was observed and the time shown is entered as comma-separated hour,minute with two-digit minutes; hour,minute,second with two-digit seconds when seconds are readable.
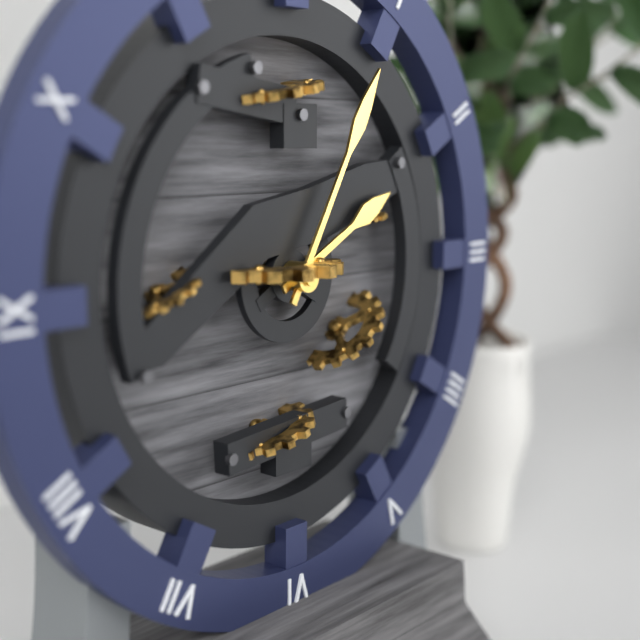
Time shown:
2,05
